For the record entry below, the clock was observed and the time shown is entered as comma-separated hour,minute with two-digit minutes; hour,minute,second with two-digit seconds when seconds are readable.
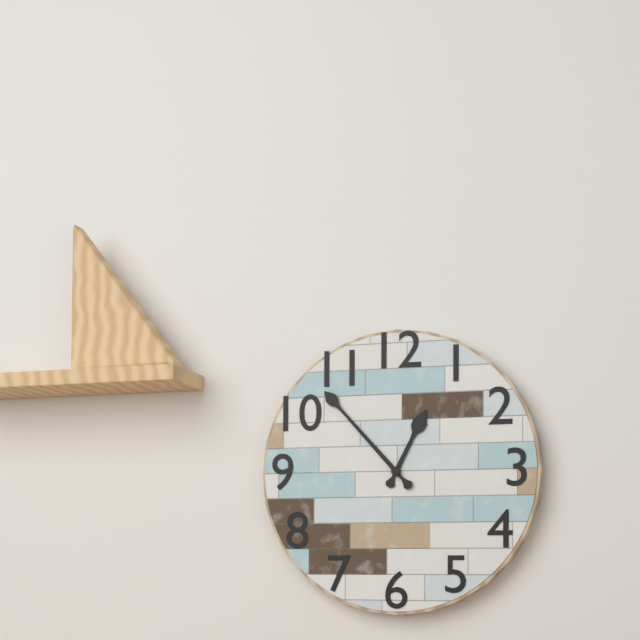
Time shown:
12,53
